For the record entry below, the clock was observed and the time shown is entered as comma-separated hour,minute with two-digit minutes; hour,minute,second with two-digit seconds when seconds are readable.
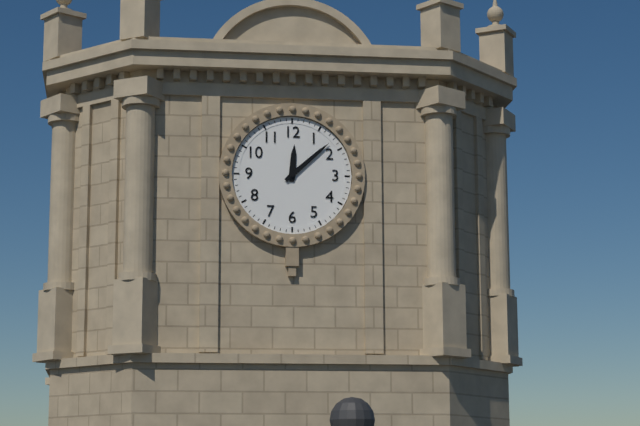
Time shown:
12,08
